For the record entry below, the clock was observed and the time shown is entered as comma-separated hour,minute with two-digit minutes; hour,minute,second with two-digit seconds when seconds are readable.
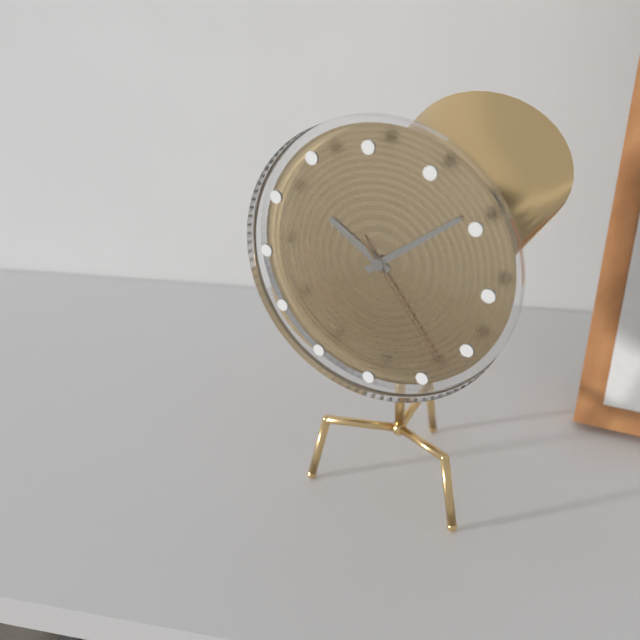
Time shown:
10,09,24
